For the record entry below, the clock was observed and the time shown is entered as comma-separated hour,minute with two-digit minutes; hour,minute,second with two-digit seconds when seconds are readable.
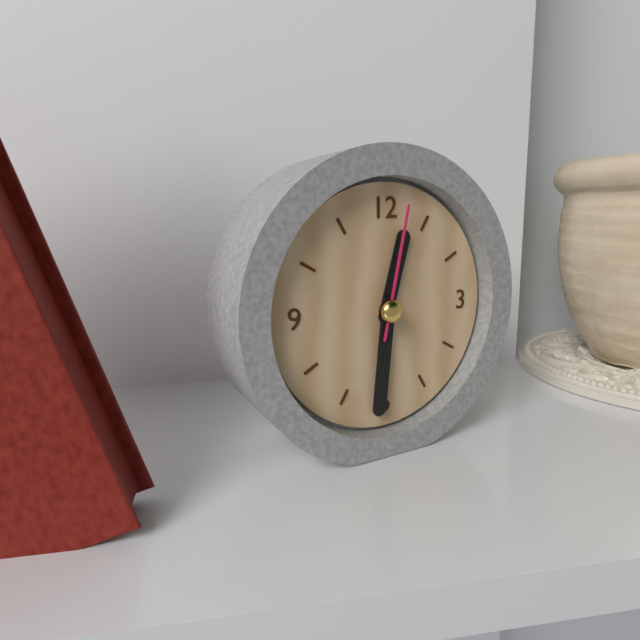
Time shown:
12,31,02
